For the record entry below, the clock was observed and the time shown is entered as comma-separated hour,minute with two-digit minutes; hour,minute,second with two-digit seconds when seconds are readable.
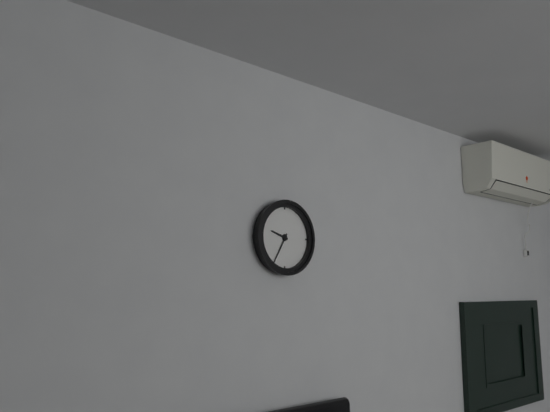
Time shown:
9,35
